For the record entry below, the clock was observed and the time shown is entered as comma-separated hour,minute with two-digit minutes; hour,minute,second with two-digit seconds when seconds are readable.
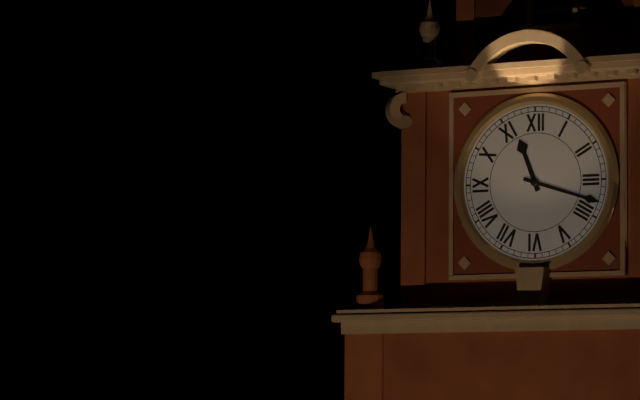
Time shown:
11,18
